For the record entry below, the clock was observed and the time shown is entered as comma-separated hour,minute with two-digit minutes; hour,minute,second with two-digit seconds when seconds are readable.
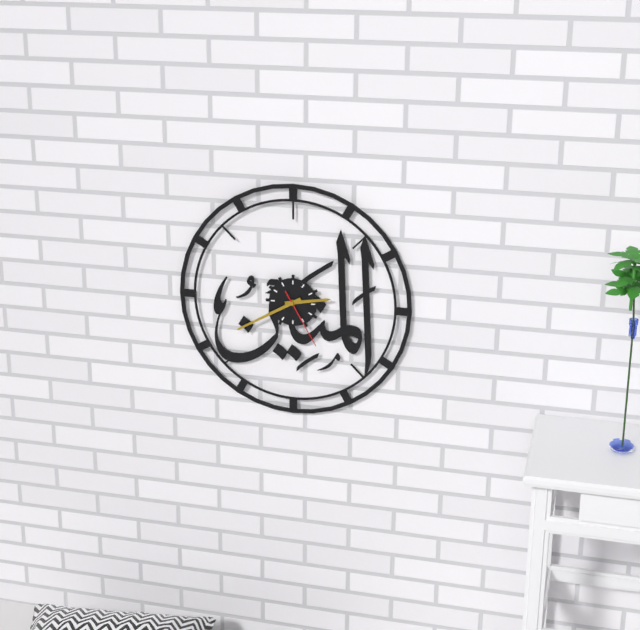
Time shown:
2,40,25
